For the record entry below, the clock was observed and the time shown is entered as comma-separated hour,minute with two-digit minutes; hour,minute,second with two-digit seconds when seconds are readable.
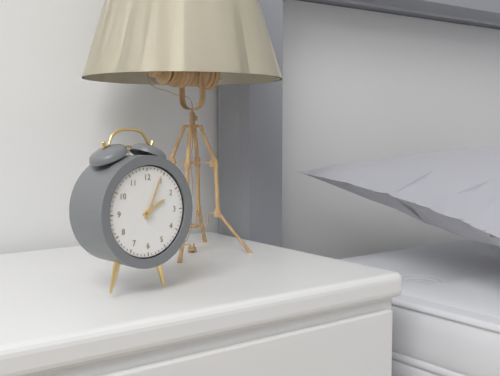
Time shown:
2,04
